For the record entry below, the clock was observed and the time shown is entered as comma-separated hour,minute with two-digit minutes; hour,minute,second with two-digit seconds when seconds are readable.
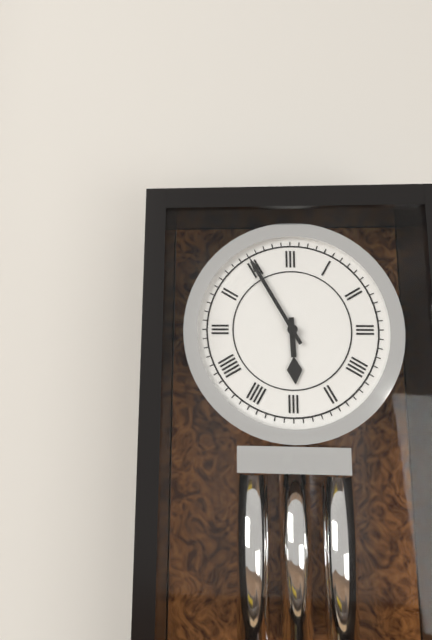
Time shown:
5,55
